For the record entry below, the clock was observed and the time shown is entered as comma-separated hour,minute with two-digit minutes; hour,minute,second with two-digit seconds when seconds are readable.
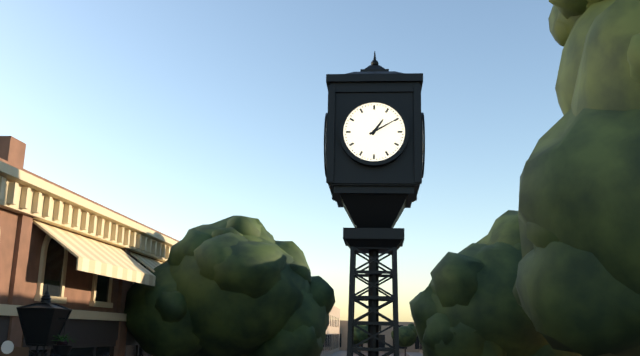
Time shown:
1,10
